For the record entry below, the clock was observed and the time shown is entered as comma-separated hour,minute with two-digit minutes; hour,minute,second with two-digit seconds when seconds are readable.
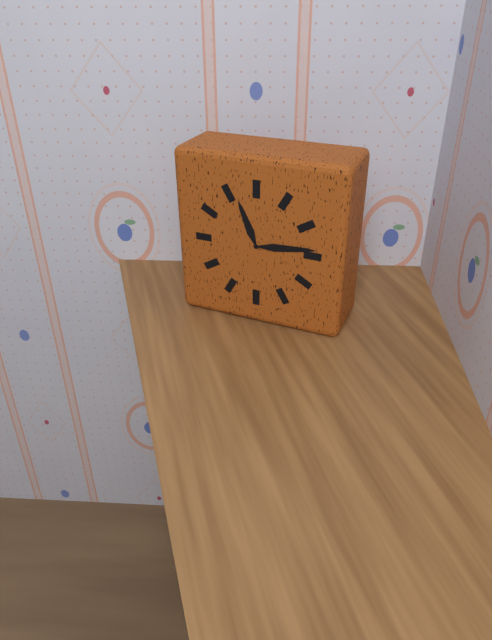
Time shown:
11,14
